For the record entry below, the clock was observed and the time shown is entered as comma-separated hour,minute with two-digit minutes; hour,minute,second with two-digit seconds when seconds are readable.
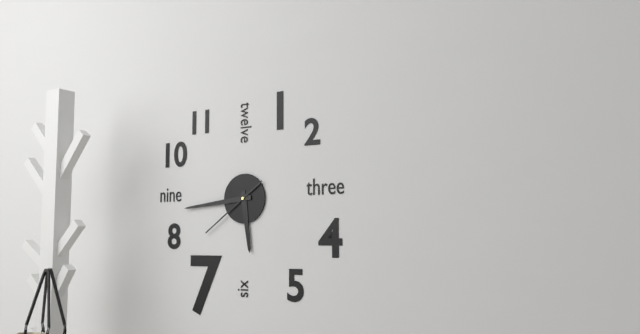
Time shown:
5,44,39
